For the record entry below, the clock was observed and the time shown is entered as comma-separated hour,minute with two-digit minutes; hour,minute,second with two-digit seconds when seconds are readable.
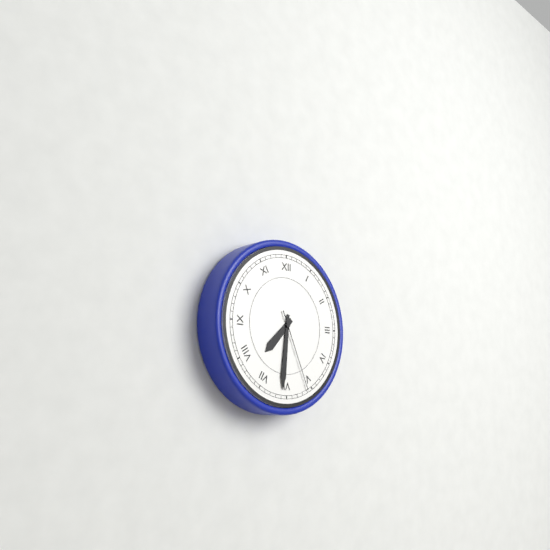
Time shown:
7,31,26
